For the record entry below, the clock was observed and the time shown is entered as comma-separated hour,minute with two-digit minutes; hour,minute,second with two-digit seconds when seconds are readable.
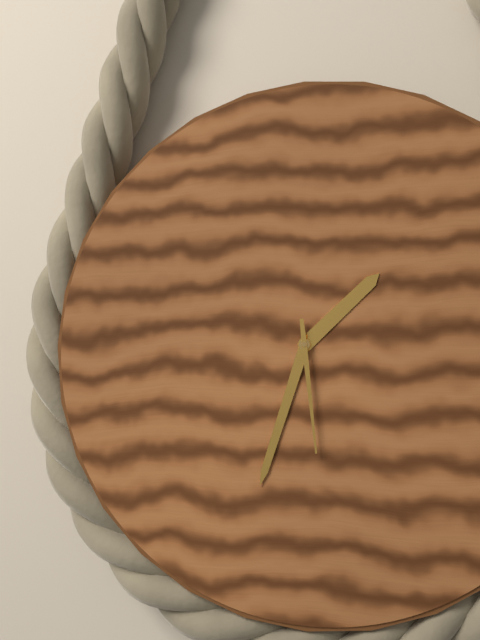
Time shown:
1,33,29
